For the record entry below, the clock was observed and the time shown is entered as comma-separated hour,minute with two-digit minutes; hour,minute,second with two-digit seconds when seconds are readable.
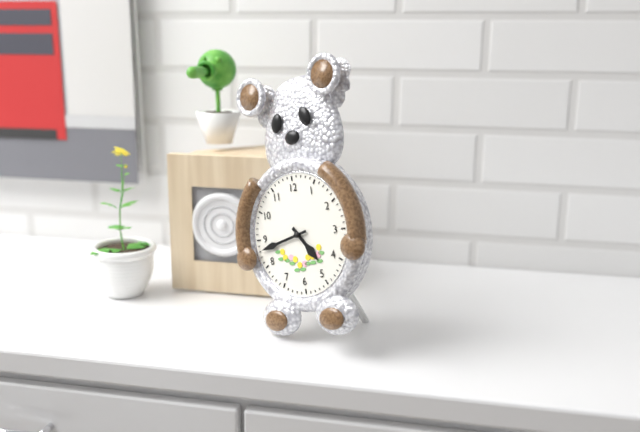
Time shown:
4,43
